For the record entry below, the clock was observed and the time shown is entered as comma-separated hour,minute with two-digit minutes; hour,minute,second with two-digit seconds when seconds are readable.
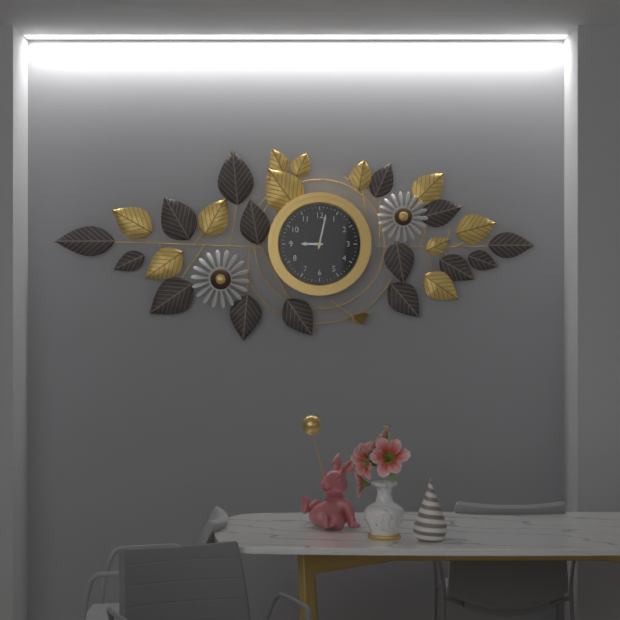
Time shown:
9,02
